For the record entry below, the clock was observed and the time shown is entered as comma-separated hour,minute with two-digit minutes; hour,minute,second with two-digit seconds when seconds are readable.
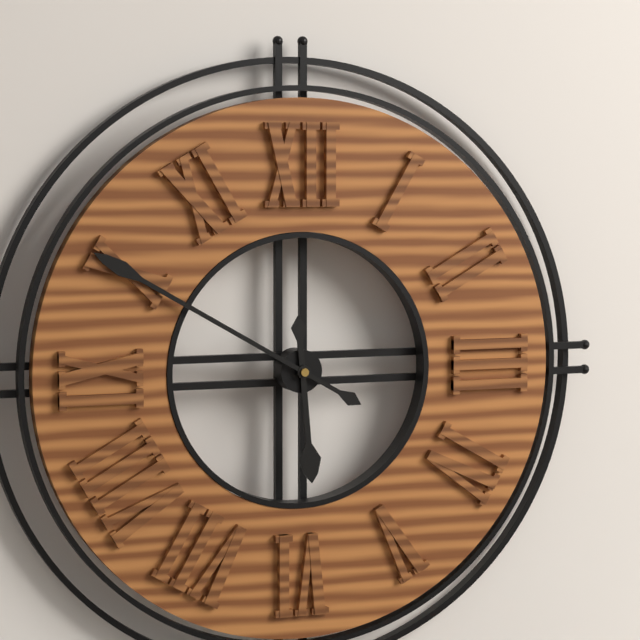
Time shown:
5,50
